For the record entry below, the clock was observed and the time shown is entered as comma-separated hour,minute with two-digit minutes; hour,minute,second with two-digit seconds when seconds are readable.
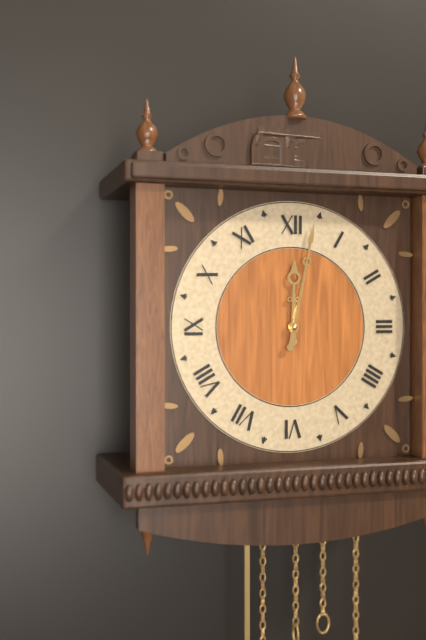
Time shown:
12,02
